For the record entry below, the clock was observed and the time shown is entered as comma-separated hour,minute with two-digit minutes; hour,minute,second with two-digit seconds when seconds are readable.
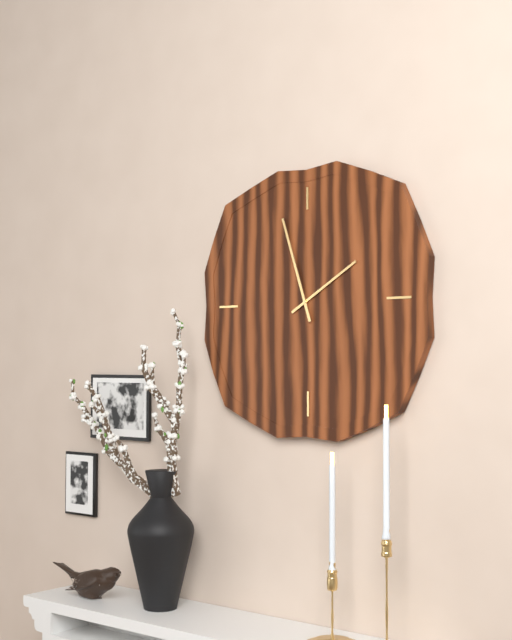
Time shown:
1,57
